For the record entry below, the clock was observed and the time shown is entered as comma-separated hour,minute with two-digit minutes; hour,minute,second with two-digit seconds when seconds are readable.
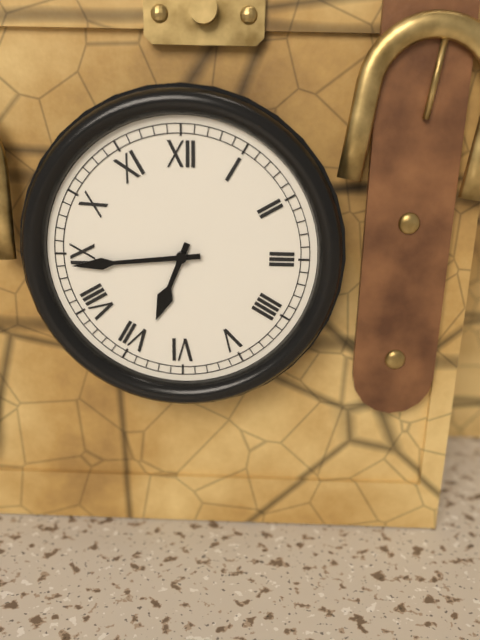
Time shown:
6,44
